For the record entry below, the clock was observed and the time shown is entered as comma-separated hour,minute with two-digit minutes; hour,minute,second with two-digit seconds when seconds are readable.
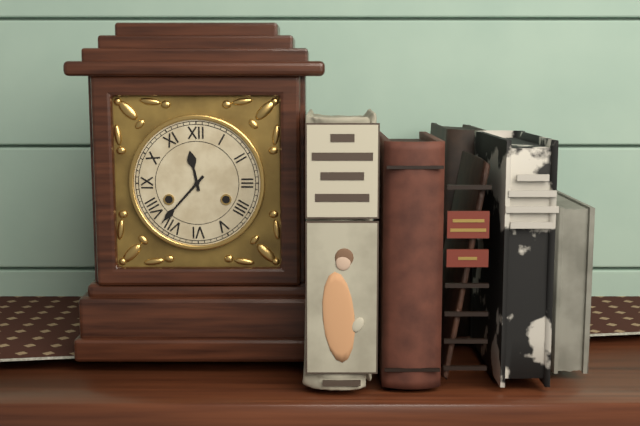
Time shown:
11,37
